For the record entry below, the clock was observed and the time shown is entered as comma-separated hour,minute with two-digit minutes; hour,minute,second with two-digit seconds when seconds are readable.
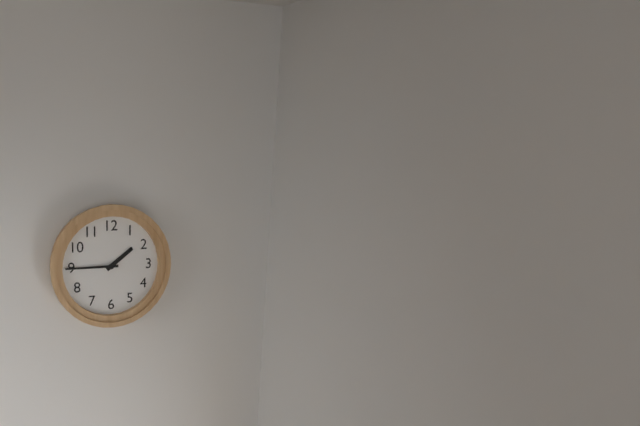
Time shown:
1,45
